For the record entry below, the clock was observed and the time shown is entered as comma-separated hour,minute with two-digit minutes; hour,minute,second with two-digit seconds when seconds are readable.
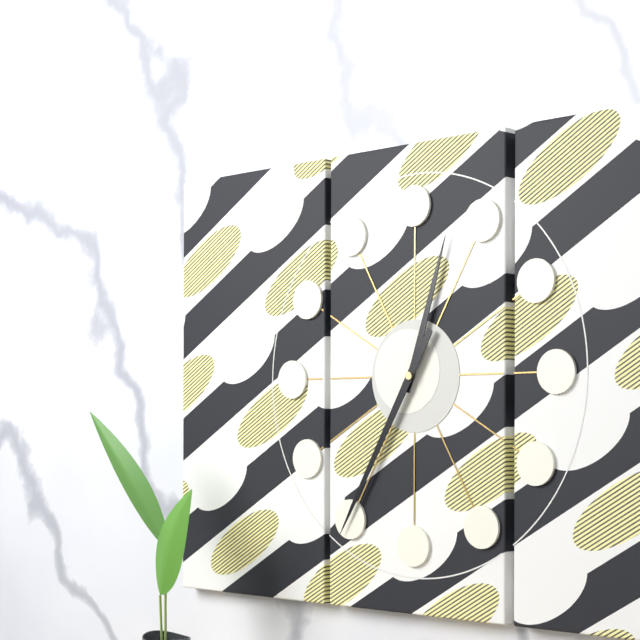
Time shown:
12,35
